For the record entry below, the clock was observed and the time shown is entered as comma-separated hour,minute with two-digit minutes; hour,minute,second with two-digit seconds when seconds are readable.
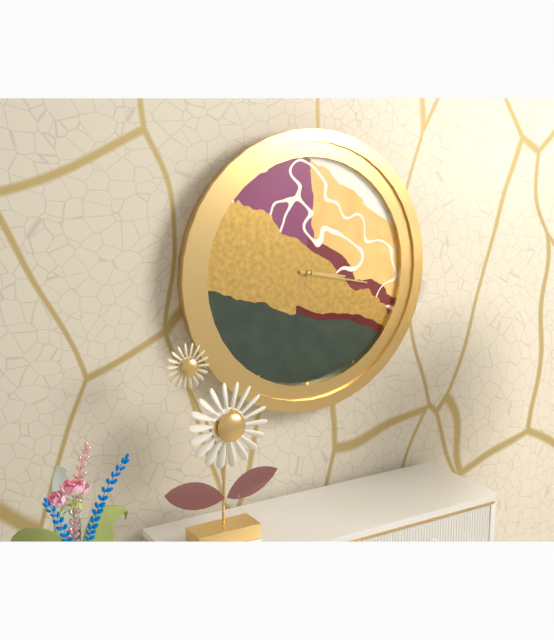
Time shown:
3,17
